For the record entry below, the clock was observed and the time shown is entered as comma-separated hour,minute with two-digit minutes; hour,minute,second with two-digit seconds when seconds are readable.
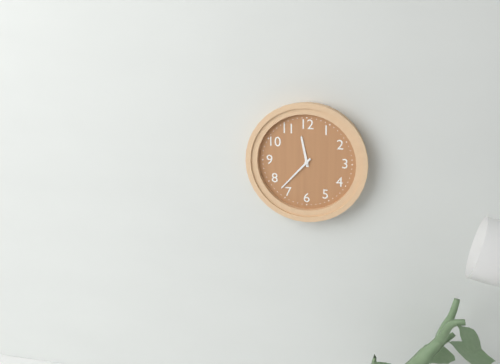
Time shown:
11,37
